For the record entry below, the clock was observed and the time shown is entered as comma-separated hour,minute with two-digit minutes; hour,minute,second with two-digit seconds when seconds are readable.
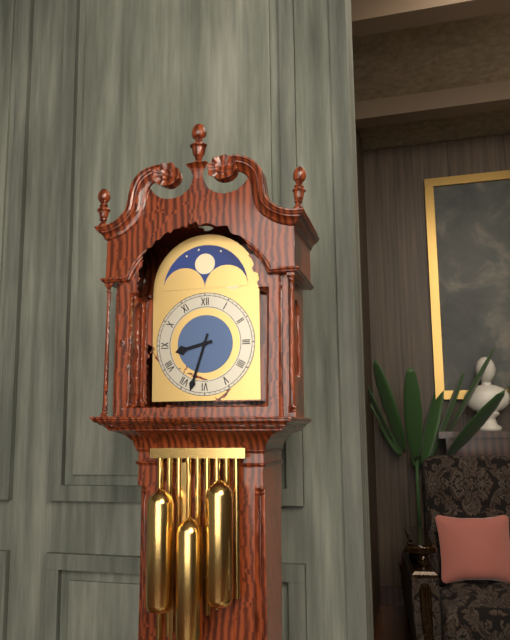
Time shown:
8,33
